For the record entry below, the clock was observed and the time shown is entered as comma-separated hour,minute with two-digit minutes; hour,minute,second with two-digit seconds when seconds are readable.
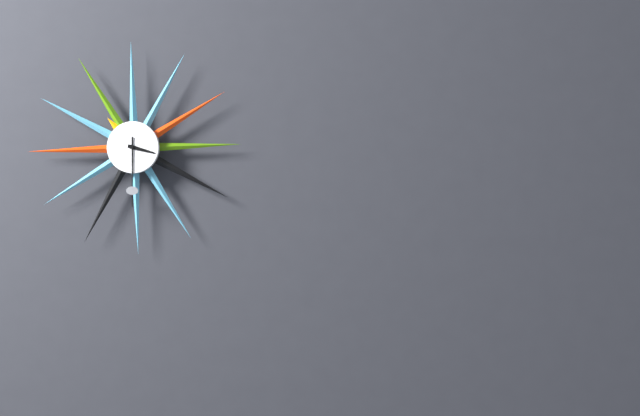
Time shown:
3,30
